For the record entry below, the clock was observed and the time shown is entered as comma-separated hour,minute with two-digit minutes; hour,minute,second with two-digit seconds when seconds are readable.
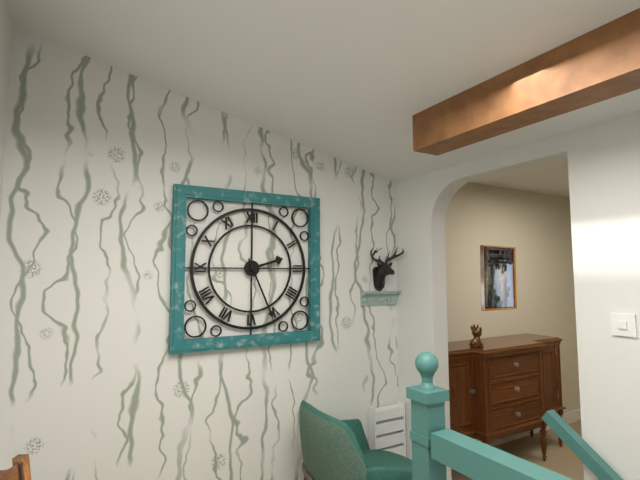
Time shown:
2,26
